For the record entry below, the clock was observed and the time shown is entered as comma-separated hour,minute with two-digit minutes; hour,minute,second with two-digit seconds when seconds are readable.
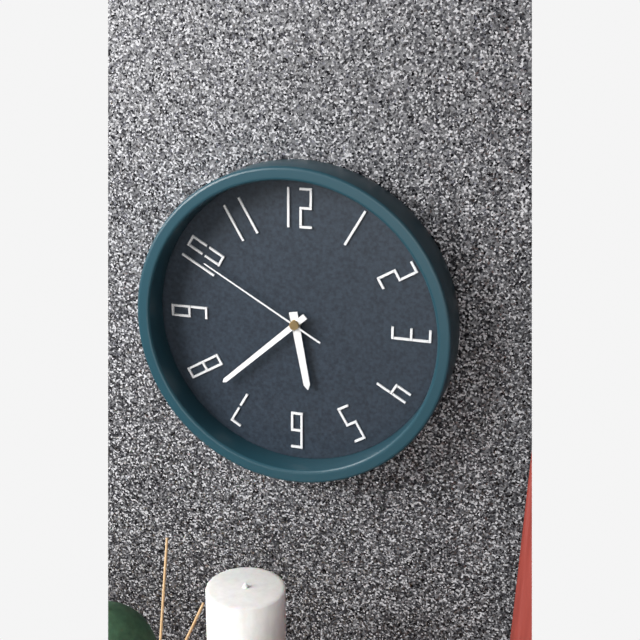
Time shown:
5,38,50
